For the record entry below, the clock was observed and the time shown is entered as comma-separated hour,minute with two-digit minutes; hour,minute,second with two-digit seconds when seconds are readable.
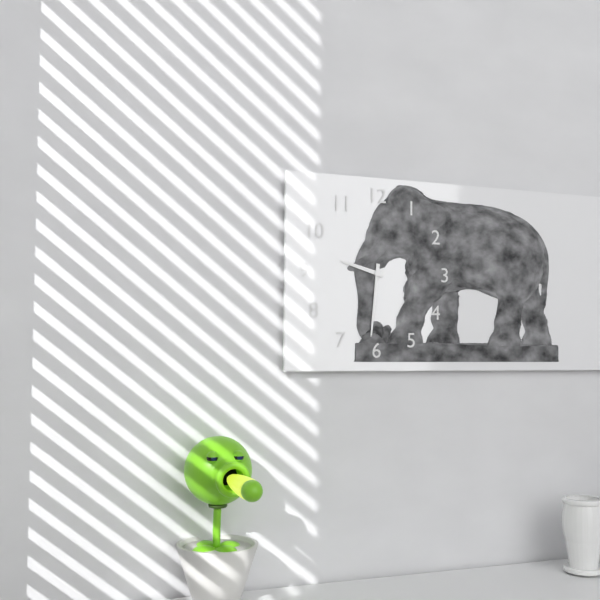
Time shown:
9,31
